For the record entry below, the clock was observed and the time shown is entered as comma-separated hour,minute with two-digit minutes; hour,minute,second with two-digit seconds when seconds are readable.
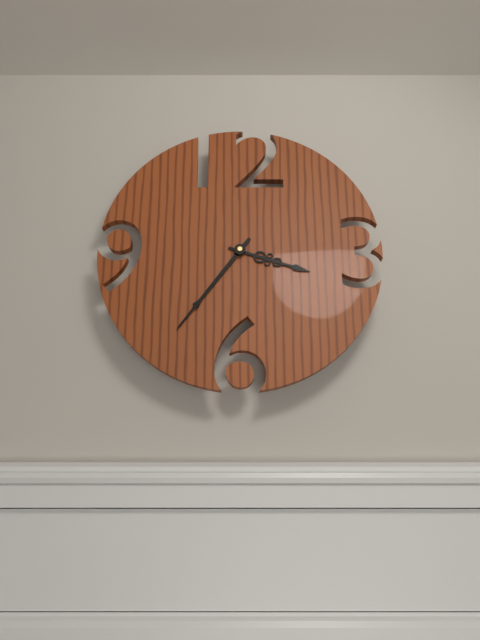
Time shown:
3,36
